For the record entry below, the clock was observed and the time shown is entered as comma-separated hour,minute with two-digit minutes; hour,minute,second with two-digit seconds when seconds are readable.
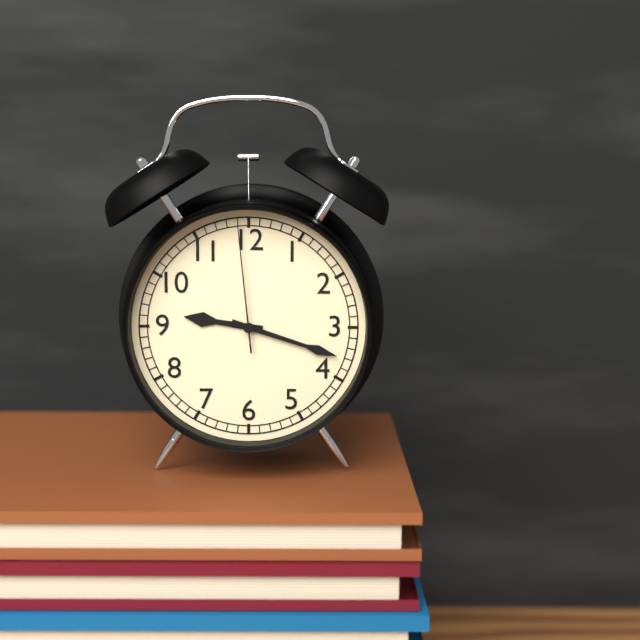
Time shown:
9,18,59
